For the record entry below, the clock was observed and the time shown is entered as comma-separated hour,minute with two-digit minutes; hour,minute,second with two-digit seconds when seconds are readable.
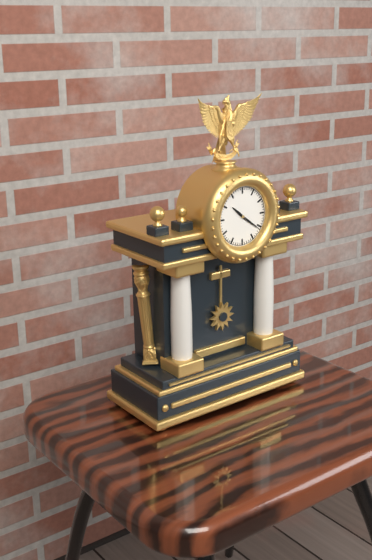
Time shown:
10,21
